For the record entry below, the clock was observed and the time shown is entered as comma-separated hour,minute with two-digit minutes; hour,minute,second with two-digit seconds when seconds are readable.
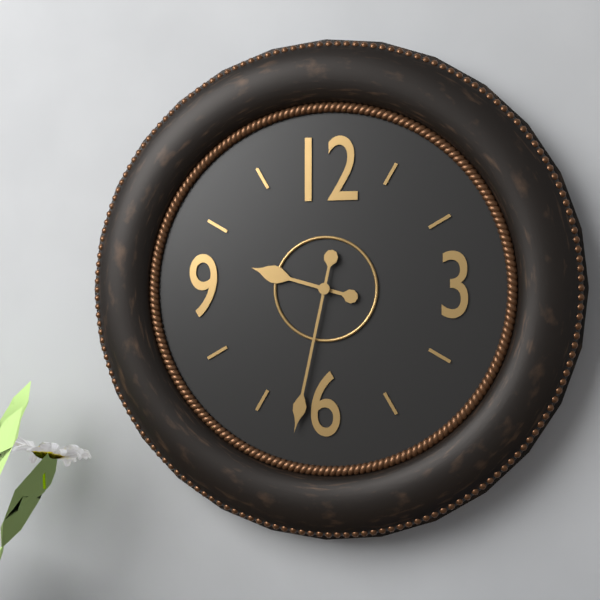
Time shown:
9,32
